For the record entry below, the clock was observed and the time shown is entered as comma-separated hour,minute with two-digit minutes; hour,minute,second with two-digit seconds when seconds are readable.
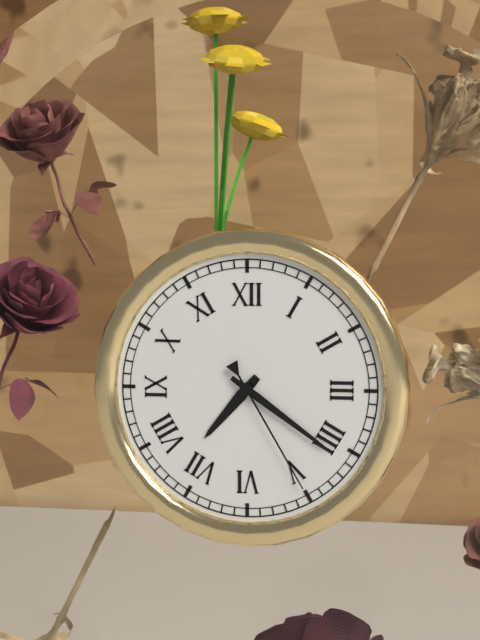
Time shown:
7,21,25
